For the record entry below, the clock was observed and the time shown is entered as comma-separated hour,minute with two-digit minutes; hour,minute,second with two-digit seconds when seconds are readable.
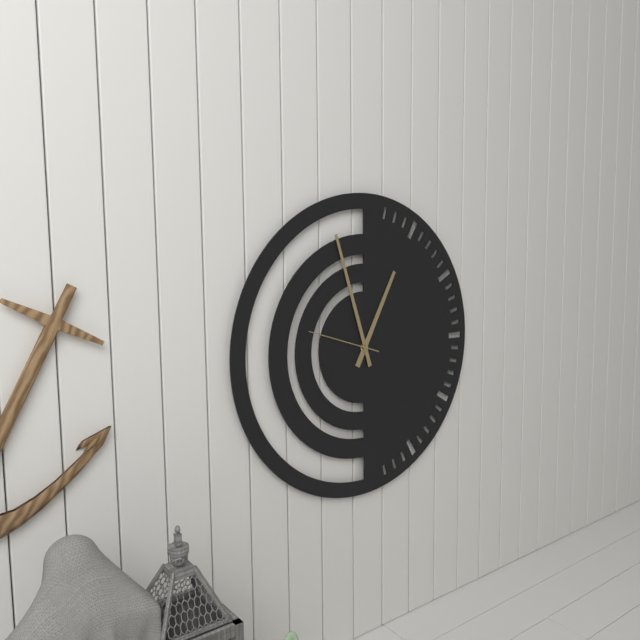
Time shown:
12,57,48
